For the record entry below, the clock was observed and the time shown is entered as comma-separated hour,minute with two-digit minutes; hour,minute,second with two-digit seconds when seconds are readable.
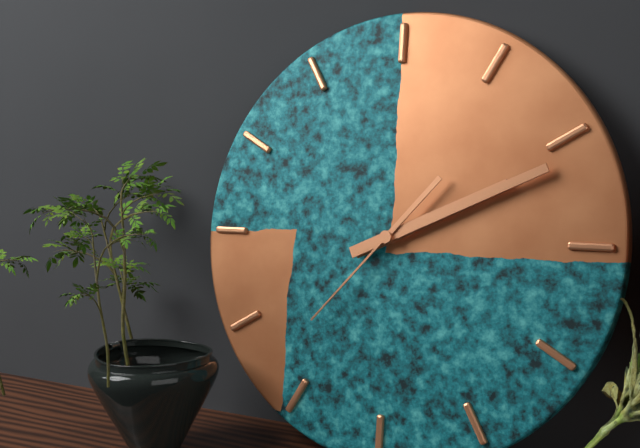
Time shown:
2,11,37
